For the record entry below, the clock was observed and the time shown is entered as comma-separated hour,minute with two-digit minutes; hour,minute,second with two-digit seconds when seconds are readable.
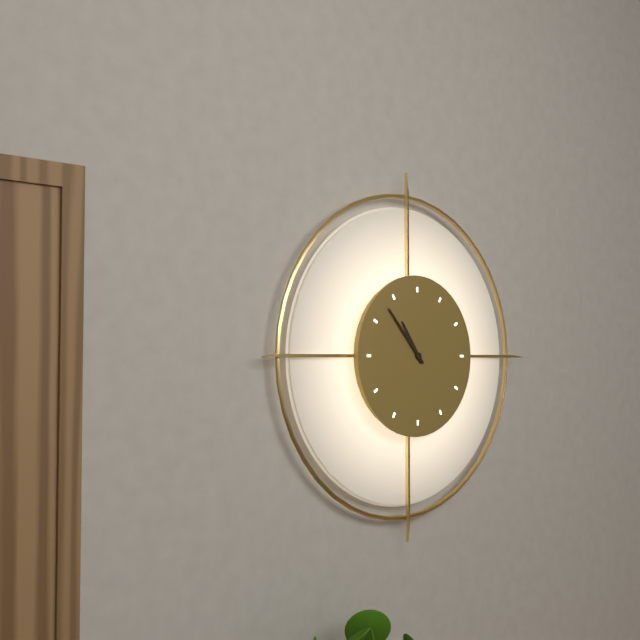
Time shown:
10,53
